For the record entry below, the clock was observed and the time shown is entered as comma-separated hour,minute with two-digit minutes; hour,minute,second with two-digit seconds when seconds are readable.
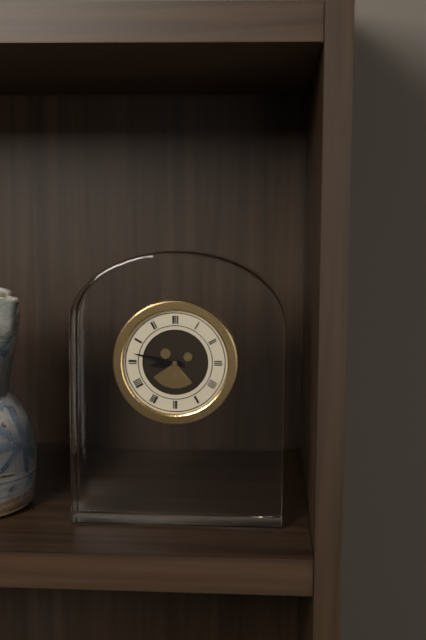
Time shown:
8,47
